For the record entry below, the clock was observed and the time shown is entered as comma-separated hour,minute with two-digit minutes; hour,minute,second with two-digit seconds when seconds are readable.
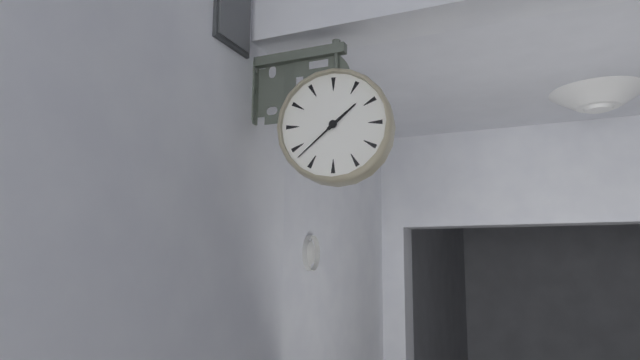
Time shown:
1,38
